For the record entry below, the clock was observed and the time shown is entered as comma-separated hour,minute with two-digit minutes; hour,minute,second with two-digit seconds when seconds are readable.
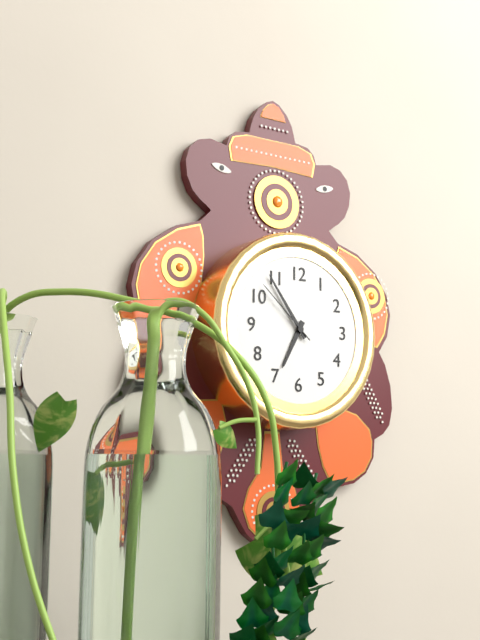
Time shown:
6,54,52
